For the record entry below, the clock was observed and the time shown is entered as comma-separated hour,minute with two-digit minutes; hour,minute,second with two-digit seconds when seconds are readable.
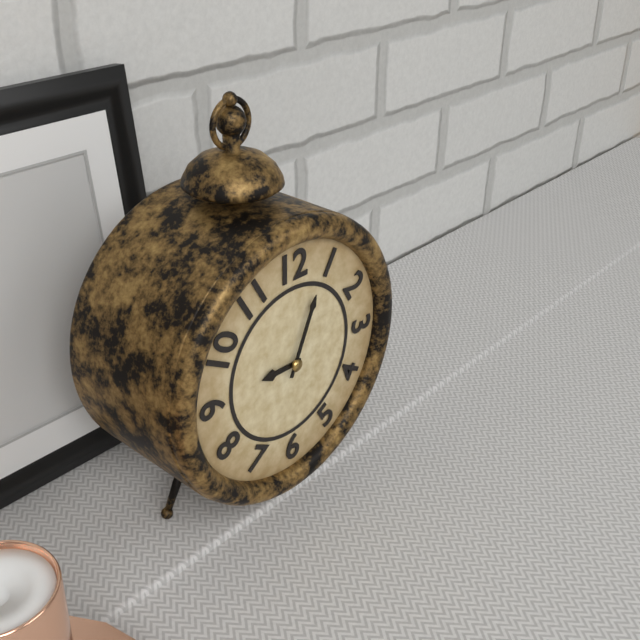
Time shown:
9,04
